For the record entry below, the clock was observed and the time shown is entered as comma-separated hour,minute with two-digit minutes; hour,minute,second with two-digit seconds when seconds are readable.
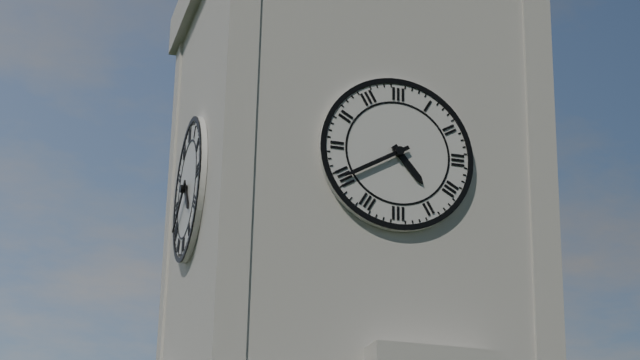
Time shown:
4,40
